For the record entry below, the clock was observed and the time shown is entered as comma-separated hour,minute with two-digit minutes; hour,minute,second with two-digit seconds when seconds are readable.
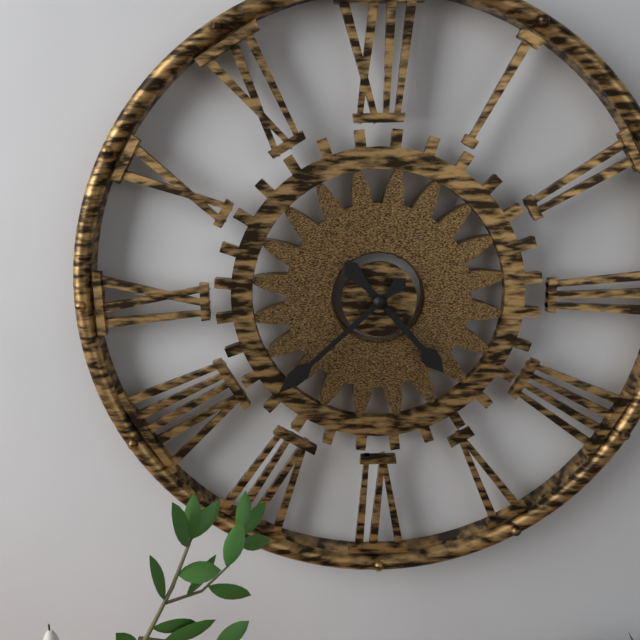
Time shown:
4,38
